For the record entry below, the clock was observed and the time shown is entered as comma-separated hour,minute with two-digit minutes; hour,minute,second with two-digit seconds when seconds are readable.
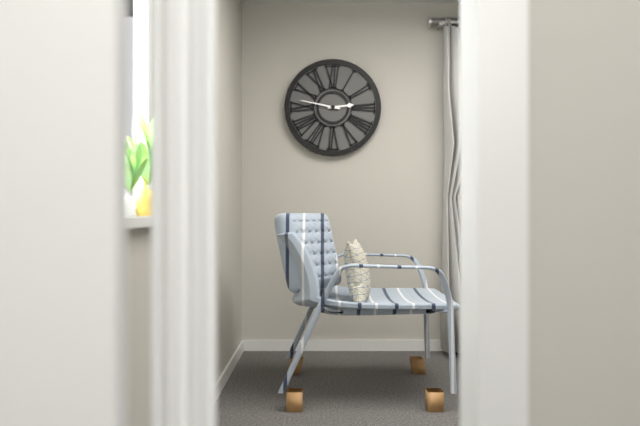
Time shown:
2,47
